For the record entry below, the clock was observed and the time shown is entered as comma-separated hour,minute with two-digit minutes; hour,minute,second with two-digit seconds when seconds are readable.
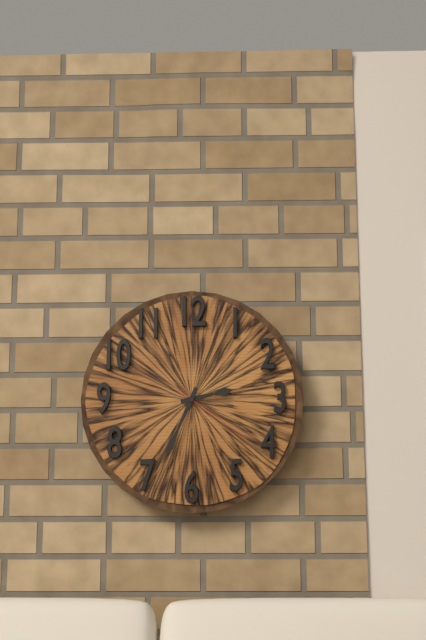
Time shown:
2,34,21
